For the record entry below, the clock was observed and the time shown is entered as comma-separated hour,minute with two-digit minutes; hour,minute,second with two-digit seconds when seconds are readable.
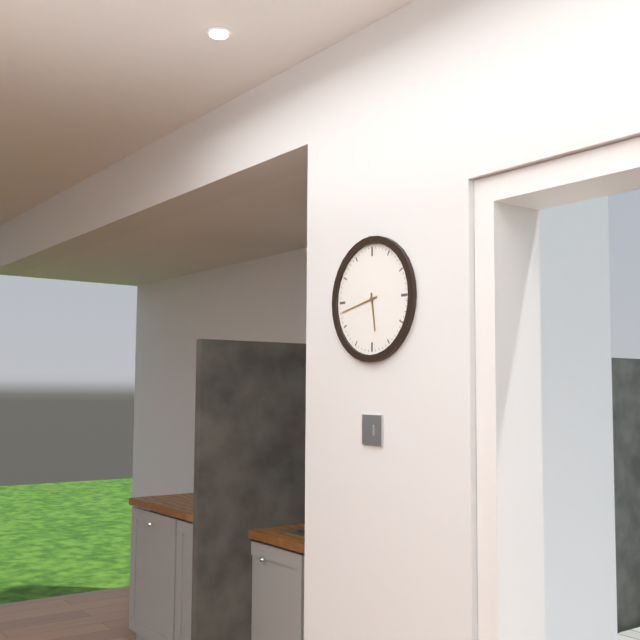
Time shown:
5,43
